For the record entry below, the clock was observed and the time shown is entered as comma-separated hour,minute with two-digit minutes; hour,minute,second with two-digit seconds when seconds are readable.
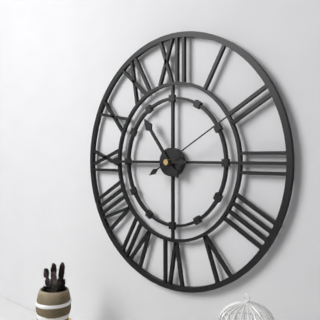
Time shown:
10,45,10
